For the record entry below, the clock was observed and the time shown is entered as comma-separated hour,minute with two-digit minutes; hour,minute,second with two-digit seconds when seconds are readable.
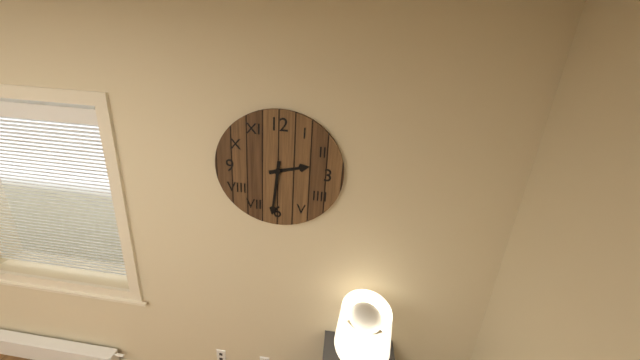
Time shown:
2,31
